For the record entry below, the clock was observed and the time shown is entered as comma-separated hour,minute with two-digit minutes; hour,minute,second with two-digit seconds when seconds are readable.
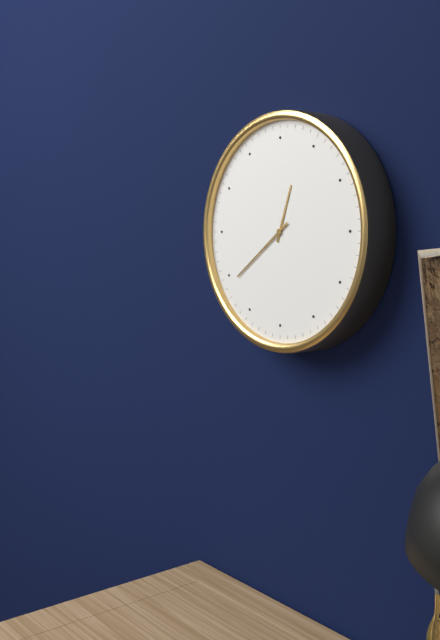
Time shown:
12,39
